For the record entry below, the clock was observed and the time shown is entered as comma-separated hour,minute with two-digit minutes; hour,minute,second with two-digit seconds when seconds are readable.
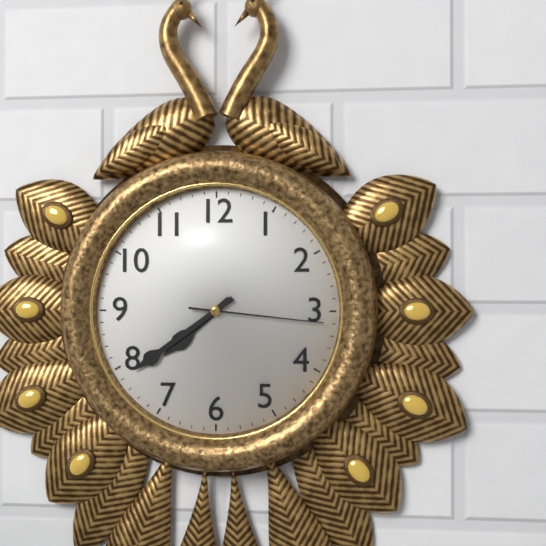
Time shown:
7,39,16
